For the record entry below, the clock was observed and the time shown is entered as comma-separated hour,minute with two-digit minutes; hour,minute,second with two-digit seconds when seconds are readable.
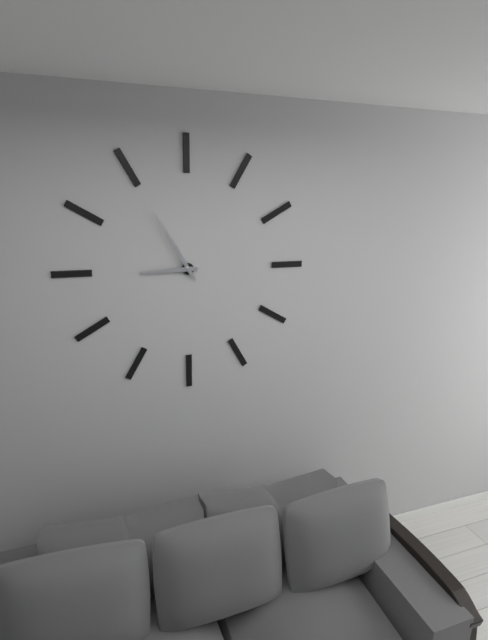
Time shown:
8,55
